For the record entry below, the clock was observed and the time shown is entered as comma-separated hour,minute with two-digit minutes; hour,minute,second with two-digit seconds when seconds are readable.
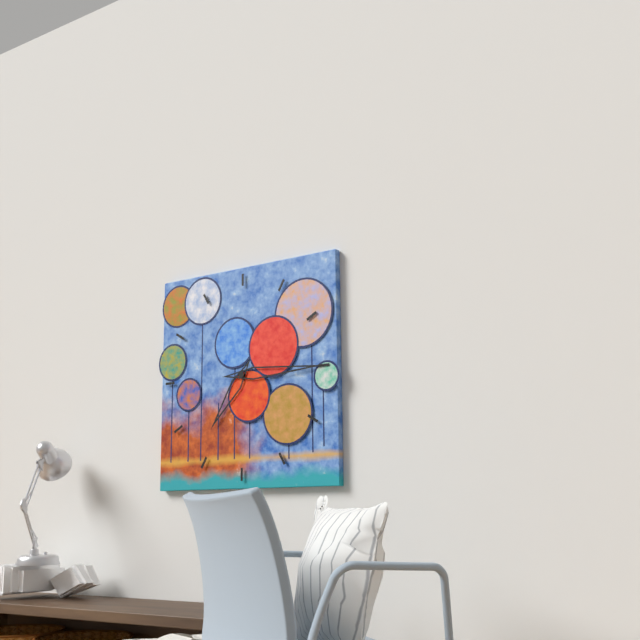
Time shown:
7,15
